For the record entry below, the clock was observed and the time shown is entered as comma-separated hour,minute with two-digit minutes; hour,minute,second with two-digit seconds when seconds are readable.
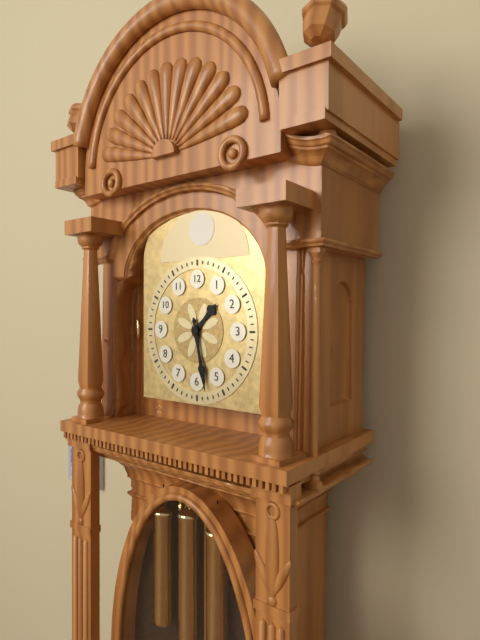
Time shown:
1,28
